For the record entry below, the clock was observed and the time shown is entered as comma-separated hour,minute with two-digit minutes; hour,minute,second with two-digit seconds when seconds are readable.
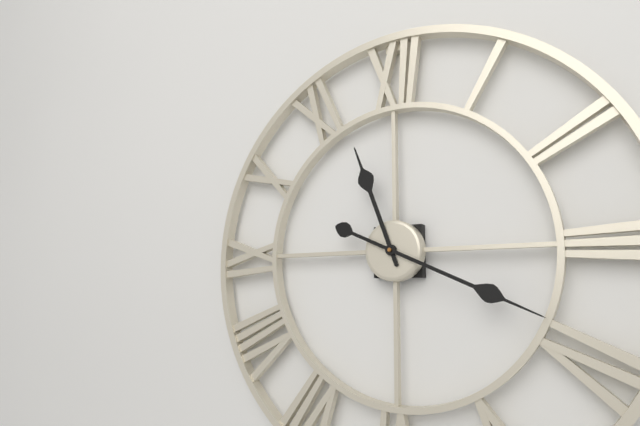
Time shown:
11,19
